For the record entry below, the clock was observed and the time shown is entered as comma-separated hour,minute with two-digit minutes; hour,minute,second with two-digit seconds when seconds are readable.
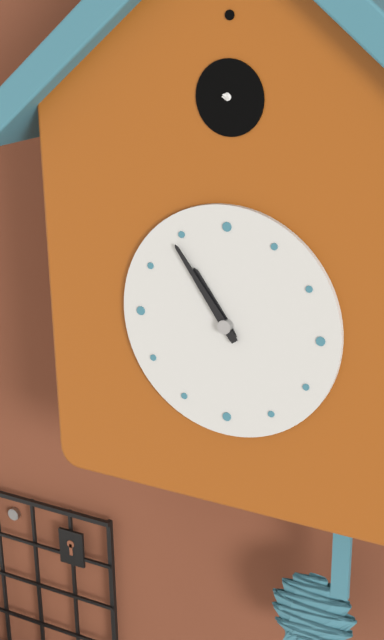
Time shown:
10,54
